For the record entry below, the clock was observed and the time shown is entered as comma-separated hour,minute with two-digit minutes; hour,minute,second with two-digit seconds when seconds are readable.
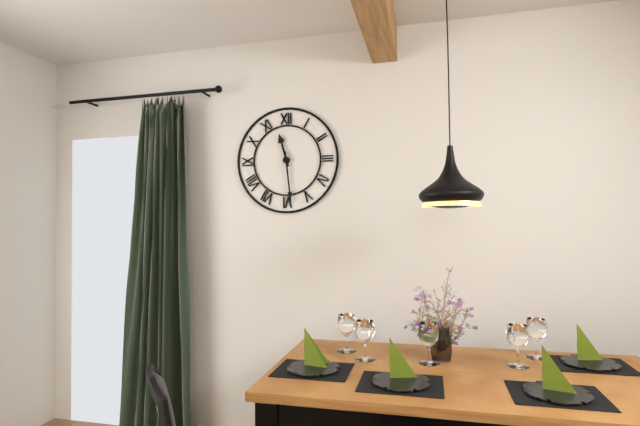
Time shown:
11,29
